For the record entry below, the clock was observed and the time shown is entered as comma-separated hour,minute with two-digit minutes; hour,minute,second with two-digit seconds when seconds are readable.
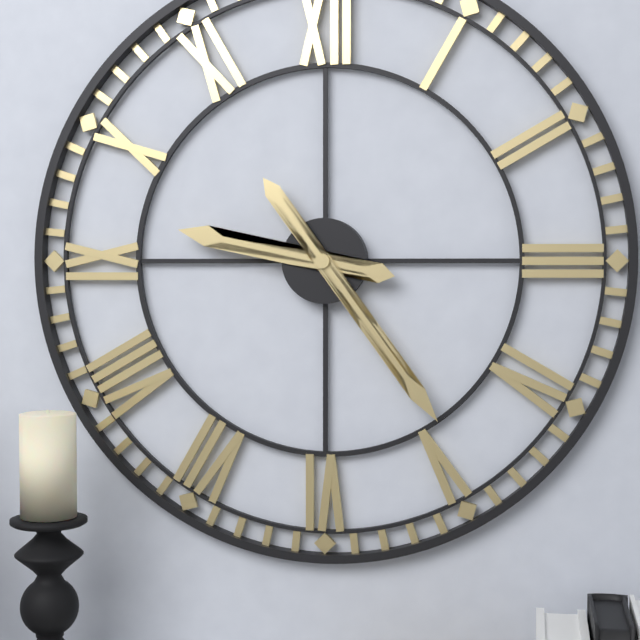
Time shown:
9,24
